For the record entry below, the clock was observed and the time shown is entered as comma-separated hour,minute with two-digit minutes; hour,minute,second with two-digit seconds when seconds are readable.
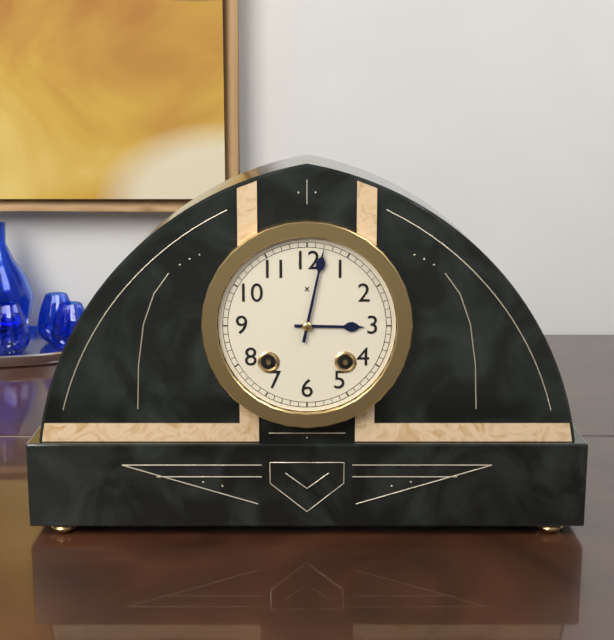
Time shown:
3,02
